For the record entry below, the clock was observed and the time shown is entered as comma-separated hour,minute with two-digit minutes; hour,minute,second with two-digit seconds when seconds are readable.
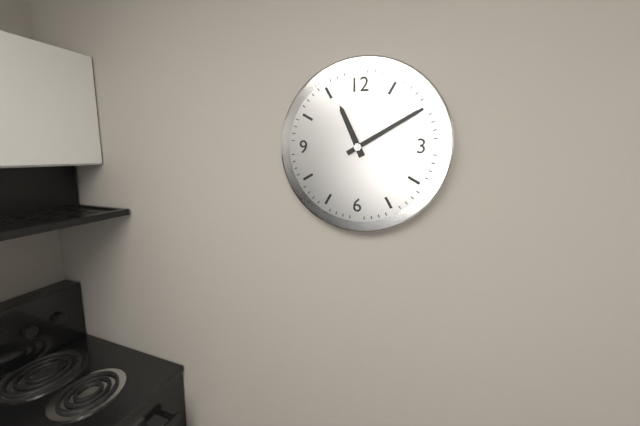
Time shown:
11,10
